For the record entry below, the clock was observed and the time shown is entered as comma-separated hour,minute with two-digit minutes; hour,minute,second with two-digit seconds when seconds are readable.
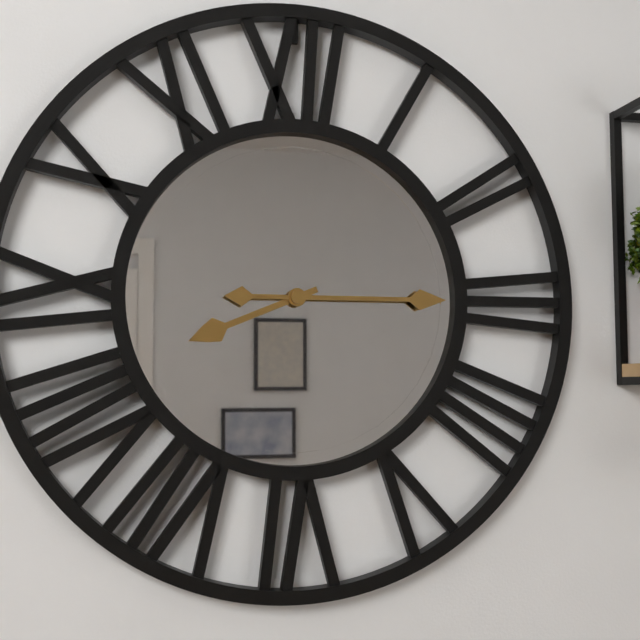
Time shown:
8,15
